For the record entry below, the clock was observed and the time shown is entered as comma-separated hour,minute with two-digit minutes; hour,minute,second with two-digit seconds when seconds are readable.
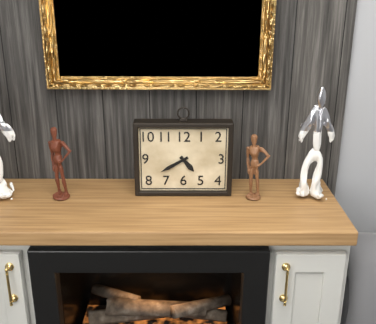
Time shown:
4,40
